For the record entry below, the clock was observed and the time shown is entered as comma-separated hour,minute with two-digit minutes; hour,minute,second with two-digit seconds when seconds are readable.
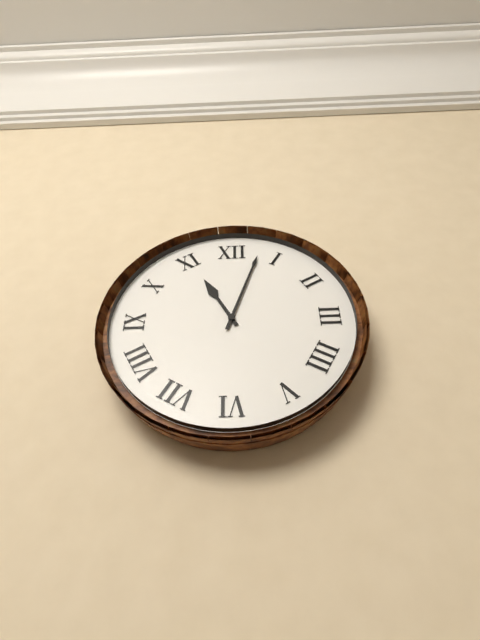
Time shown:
11,03
